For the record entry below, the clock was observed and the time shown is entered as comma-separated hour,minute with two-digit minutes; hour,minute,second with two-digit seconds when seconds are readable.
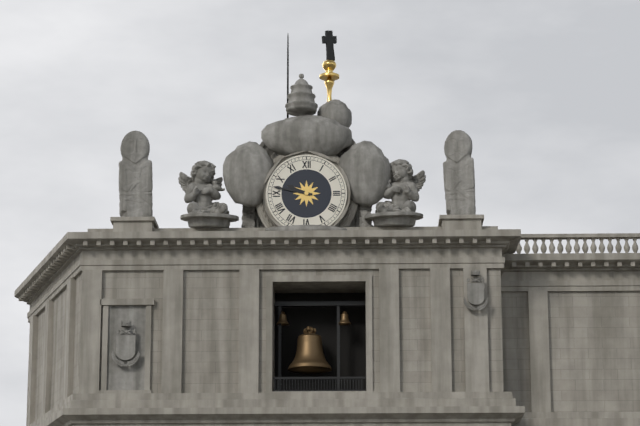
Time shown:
9,47
